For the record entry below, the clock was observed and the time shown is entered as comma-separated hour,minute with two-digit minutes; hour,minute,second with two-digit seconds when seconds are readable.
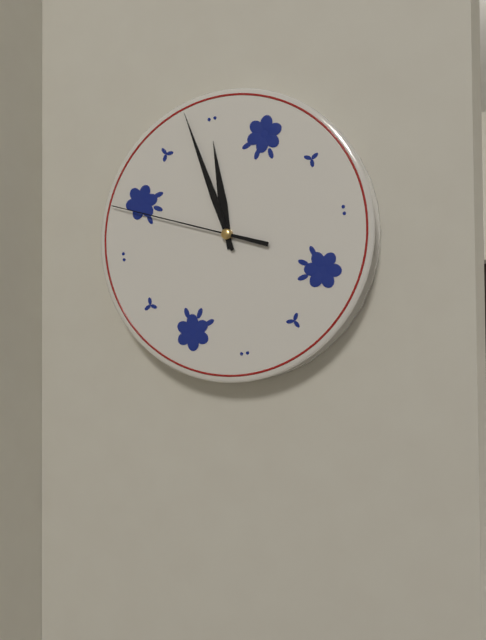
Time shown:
11,58,49
